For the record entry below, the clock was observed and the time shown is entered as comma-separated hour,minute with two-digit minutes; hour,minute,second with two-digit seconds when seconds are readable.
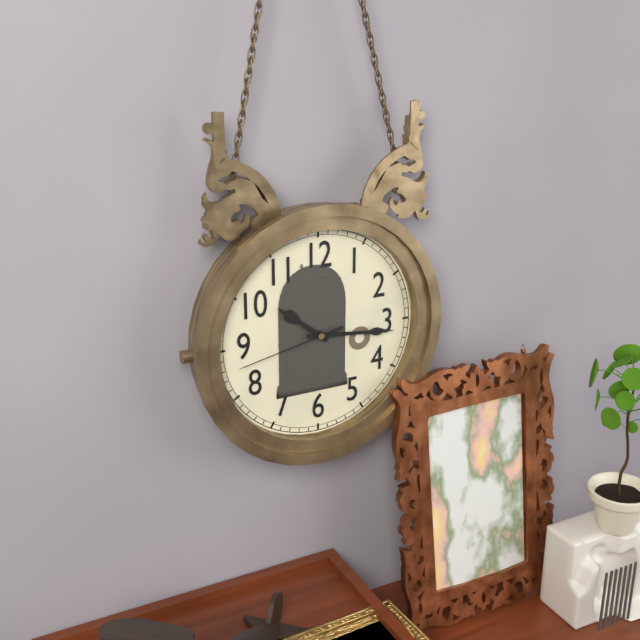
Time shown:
10,16,43
